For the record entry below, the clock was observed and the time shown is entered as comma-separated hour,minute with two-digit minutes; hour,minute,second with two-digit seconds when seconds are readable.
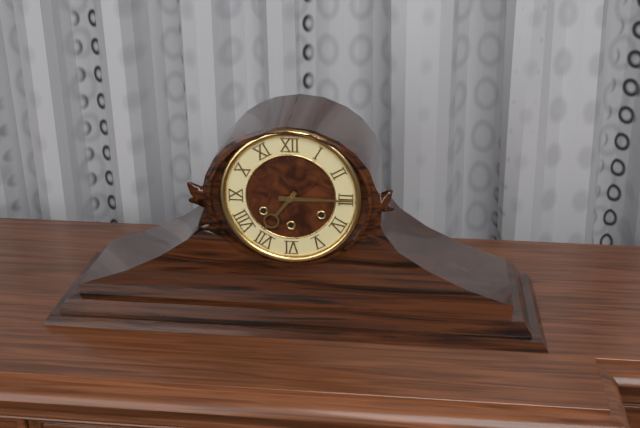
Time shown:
7,15
